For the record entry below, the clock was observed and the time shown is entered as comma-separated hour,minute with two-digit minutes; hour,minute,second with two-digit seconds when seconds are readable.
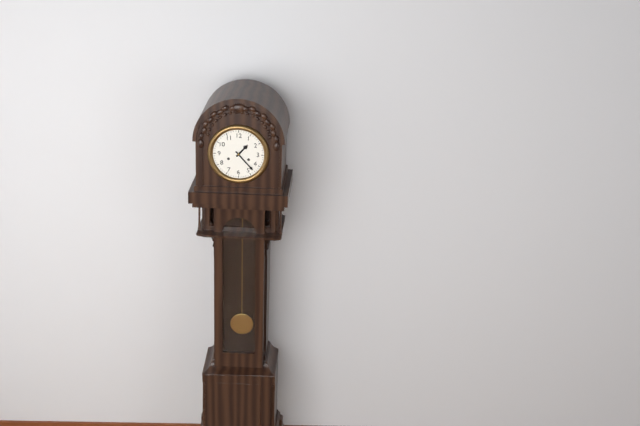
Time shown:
1,23
